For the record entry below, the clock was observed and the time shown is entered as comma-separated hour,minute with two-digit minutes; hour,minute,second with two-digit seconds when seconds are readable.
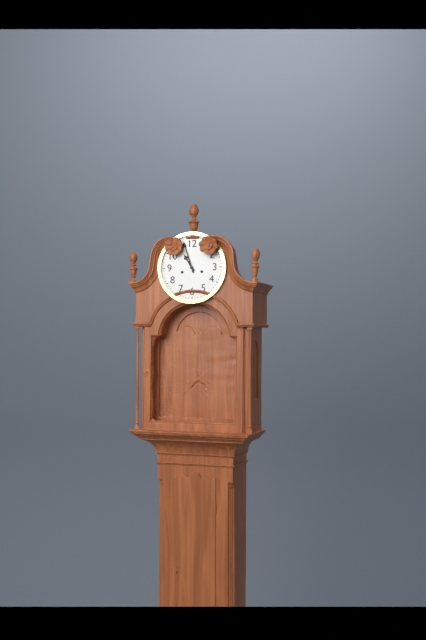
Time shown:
10,57
